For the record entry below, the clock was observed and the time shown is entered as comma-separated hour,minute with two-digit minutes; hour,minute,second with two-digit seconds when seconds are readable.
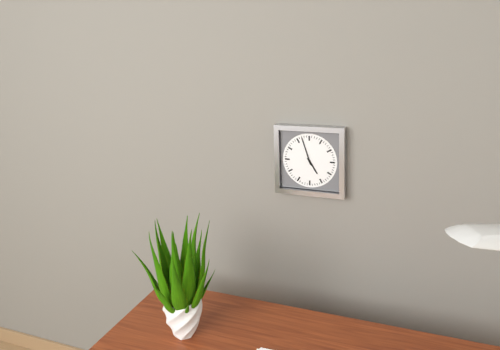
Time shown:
4,57
